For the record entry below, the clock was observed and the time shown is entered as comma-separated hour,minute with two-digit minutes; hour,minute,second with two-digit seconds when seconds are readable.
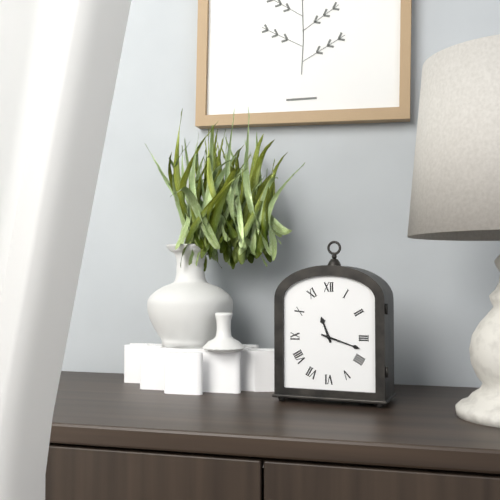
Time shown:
11,18
